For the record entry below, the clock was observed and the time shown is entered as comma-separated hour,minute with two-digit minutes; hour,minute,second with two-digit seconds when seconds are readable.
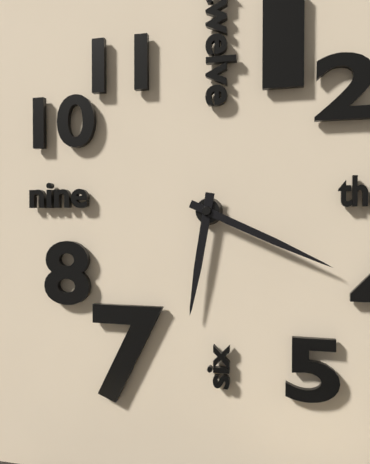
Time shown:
6,19
